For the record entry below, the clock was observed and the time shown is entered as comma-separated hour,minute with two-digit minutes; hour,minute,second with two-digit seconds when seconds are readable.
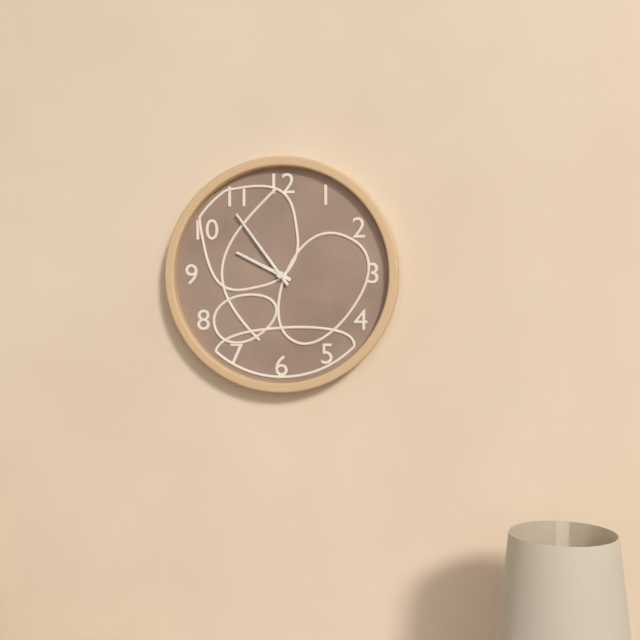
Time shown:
9,54
